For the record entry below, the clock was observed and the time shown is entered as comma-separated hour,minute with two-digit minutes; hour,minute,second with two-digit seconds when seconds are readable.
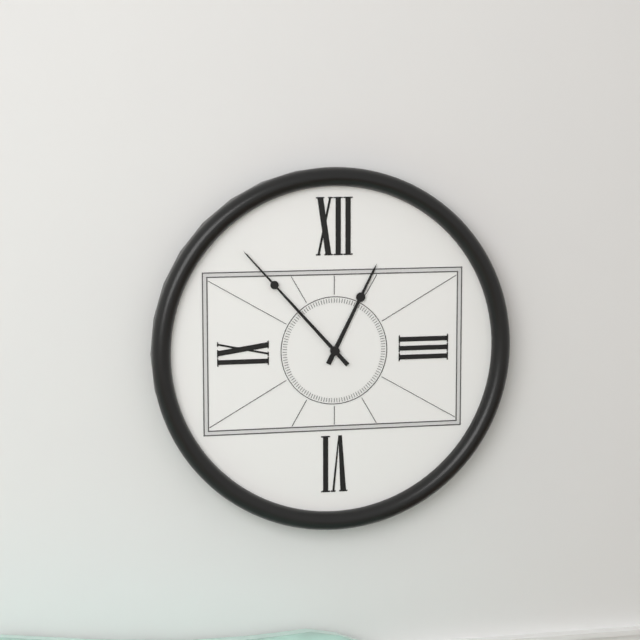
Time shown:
12,53
